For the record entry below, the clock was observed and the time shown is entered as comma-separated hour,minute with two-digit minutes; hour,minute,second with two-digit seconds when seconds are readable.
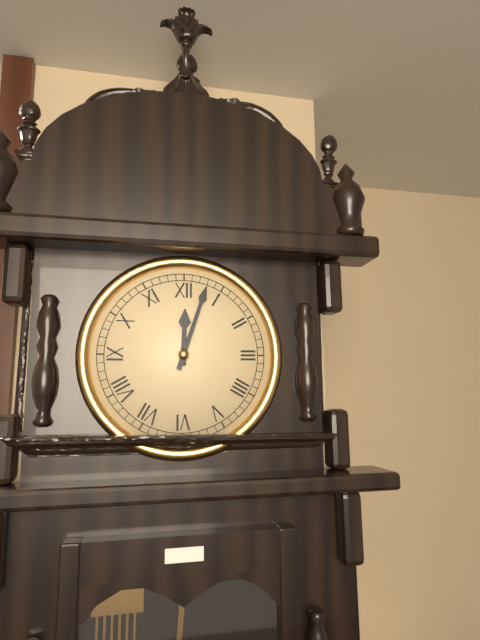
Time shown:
12,03
